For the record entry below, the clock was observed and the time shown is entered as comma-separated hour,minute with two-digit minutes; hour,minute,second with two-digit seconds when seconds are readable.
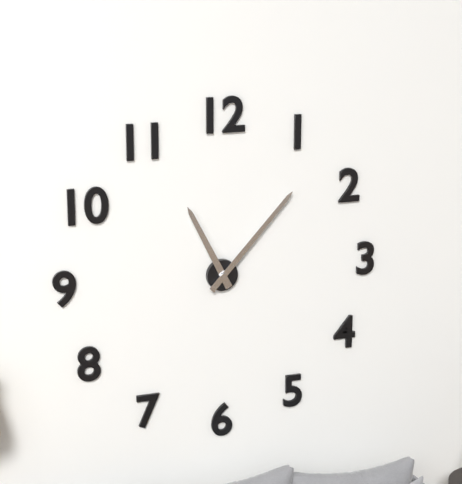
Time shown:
11,07
